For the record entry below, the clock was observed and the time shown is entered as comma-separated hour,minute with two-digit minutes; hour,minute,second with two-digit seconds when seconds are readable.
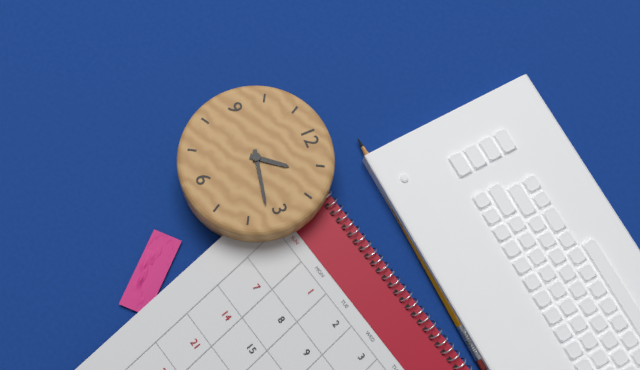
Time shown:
1,17
